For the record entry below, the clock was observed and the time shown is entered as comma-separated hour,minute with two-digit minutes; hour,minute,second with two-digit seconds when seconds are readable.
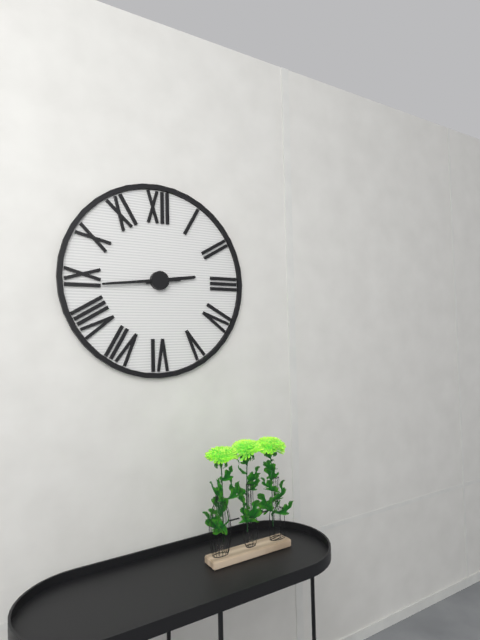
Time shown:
2,44
